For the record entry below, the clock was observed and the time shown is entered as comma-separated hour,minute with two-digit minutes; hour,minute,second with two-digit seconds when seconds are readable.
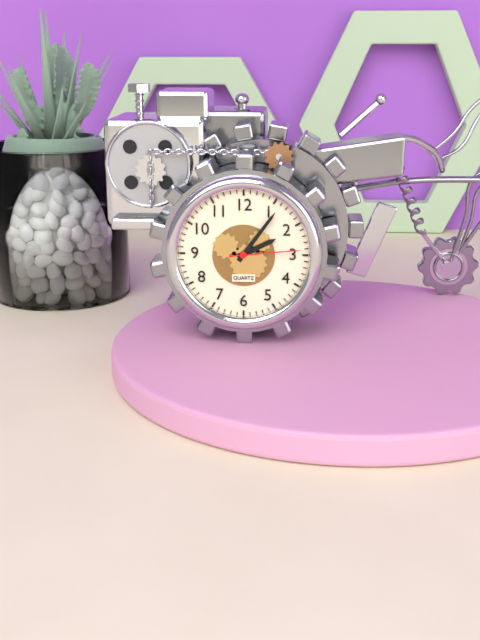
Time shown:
2,06,14
